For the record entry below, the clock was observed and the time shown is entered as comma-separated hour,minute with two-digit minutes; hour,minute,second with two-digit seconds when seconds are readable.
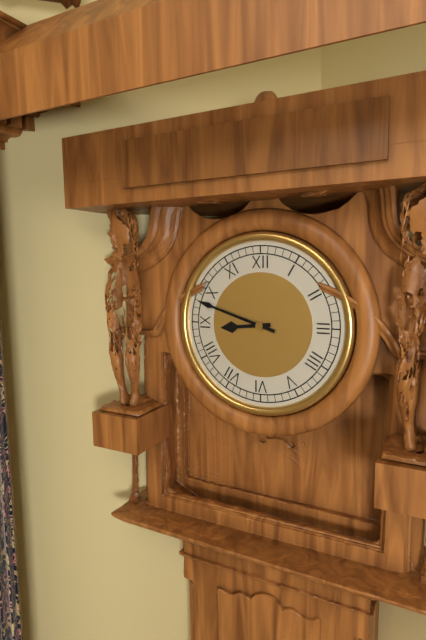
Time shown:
8,48
